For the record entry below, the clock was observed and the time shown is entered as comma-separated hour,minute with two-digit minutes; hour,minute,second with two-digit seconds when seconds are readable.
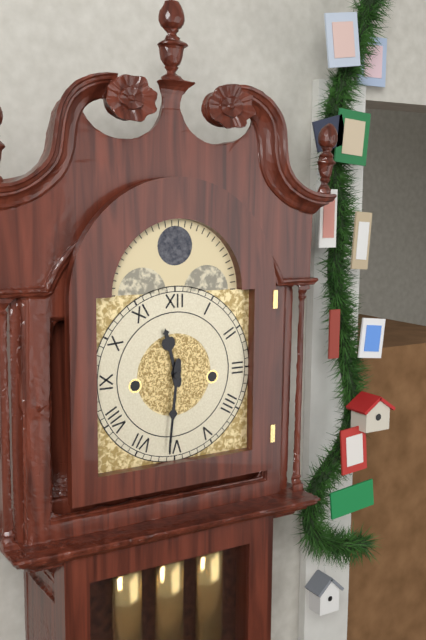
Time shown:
11,31
